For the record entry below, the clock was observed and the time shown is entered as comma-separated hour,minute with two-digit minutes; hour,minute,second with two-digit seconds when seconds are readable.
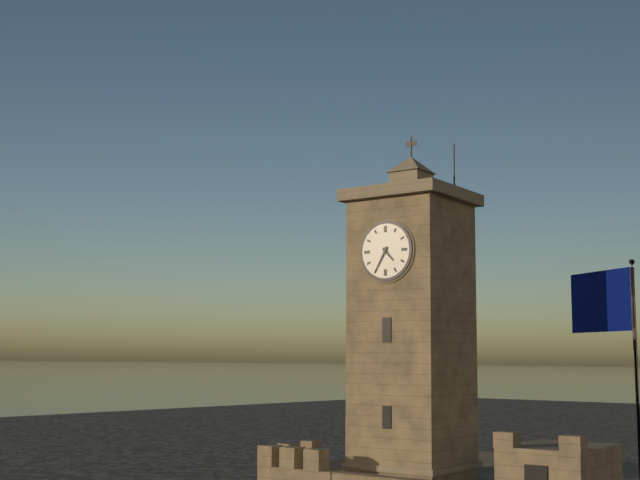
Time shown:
4,35
